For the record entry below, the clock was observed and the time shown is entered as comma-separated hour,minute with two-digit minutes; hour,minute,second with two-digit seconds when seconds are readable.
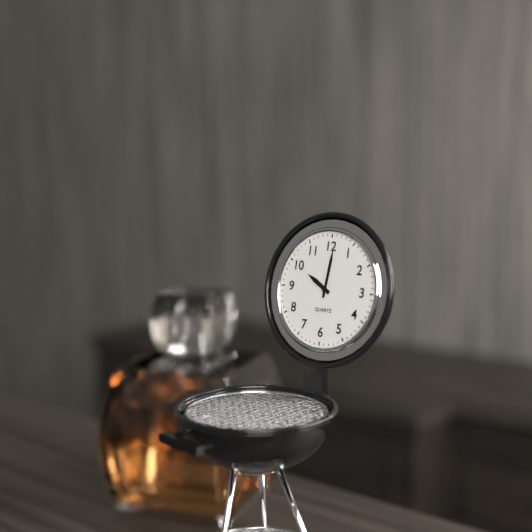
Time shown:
10,01
